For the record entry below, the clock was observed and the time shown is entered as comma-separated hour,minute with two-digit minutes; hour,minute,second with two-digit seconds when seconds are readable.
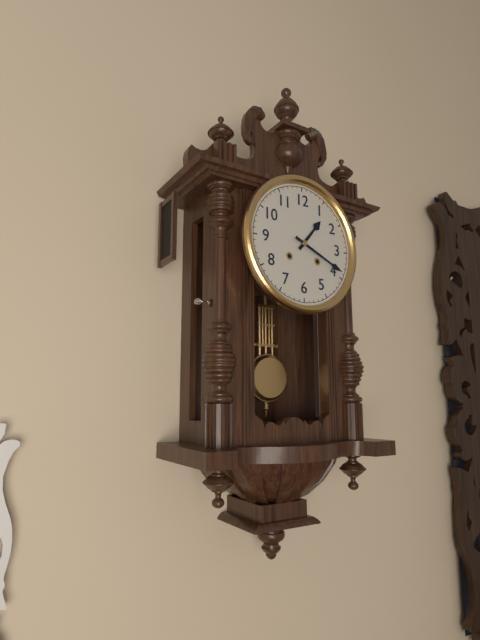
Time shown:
1,19
